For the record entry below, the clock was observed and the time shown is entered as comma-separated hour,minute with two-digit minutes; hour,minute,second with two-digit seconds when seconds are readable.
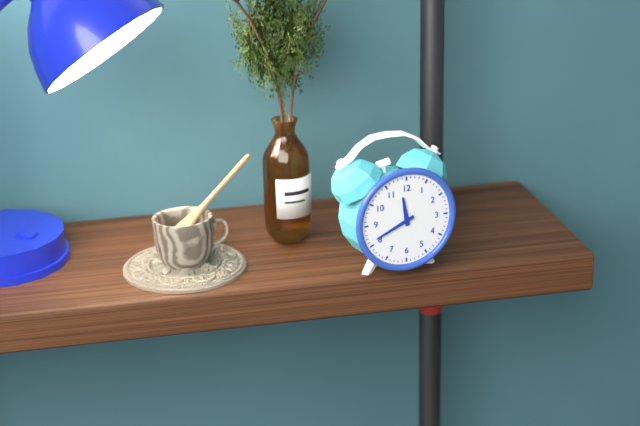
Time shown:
11,41
